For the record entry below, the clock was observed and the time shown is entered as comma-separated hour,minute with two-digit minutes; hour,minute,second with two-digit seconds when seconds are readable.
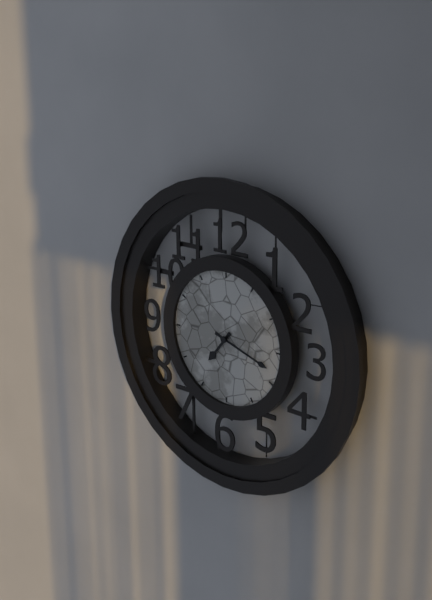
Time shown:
7,18
